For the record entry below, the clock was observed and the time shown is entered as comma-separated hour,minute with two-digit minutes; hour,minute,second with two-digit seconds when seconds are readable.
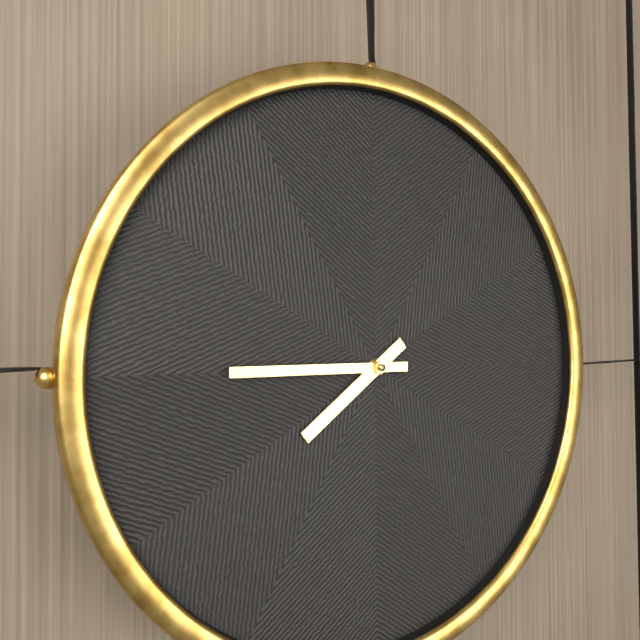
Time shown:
7,45
